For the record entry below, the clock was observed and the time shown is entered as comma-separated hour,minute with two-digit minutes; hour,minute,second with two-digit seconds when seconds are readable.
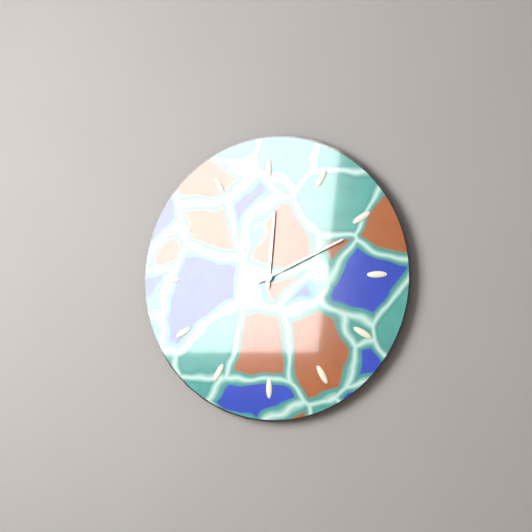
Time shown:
12,11
